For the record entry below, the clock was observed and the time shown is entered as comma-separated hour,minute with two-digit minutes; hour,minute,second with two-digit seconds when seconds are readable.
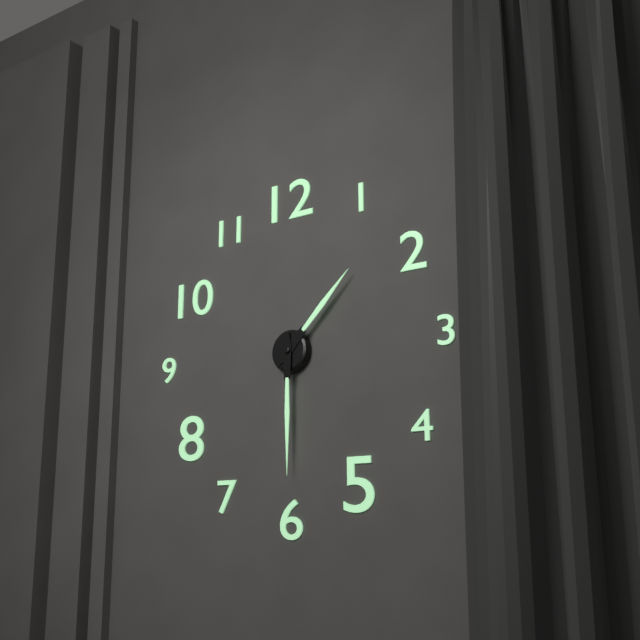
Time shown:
1,30
